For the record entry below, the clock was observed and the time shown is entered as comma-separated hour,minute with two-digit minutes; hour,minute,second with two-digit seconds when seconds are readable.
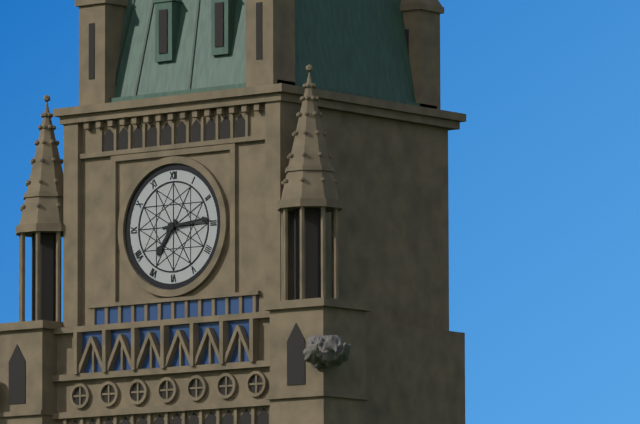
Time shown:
7,14
